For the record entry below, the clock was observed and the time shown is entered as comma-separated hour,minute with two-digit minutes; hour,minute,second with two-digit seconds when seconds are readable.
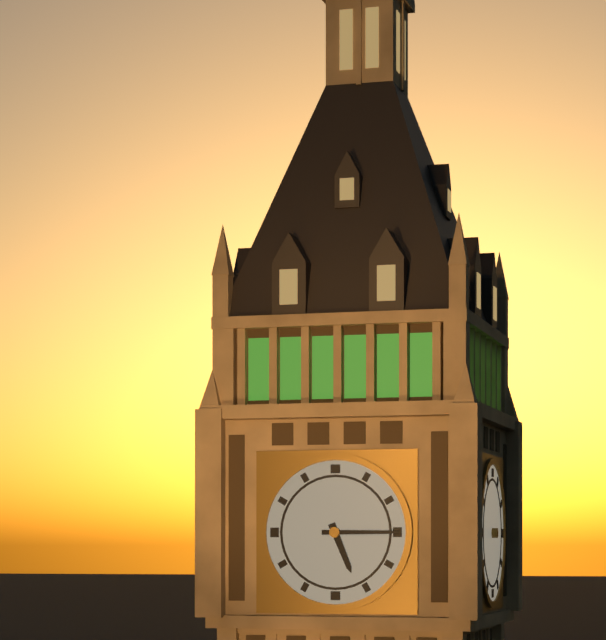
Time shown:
5,15
